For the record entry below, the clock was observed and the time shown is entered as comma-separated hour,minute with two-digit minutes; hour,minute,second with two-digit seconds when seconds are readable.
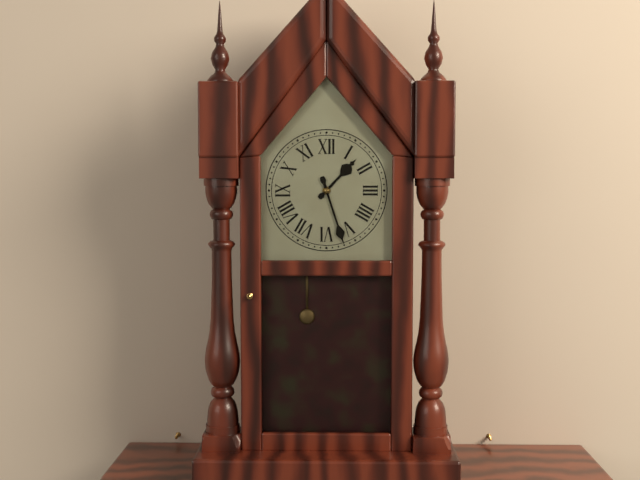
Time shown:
1,27
